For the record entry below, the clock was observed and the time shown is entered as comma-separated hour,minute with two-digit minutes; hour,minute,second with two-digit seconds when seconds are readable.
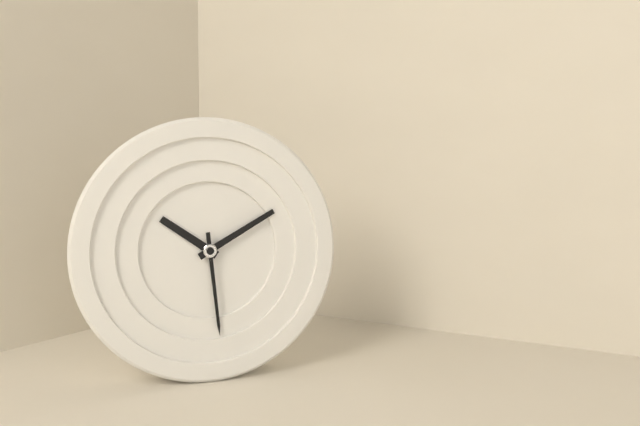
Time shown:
10,10,29
